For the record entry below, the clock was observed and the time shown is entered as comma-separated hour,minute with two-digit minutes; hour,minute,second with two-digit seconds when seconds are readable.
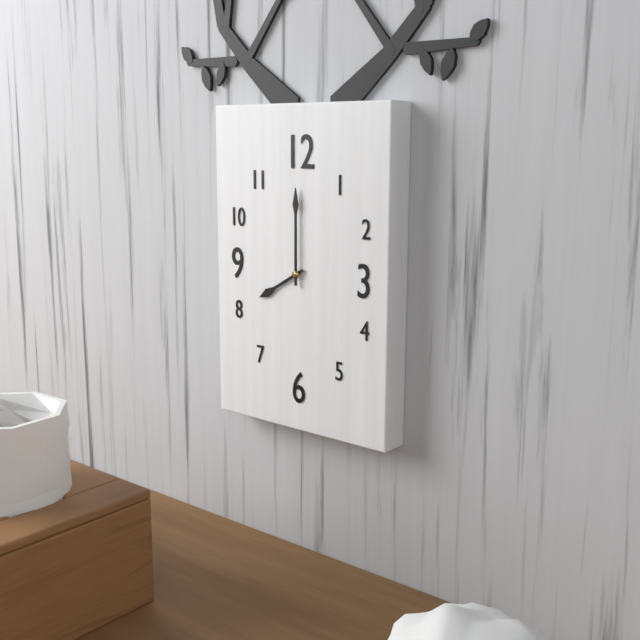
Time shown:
8,00
